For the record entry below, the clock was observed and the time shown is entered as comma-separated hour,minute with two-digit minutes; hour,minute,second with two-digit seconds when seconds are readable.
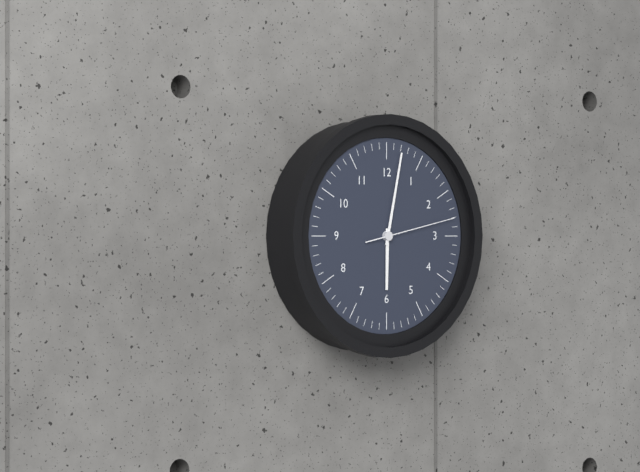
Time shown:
6,02,13
